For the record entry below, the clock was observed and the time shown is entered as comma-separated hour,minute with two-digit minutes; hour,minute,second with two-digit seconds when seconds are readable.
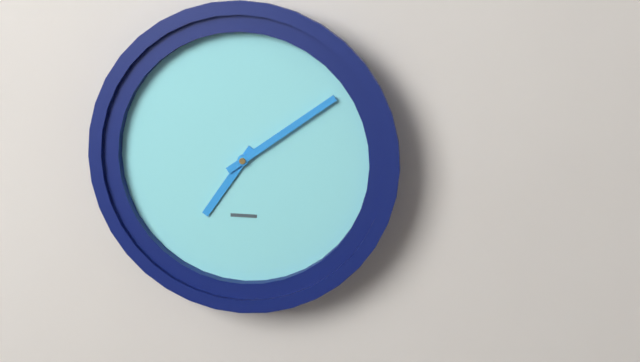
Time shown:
7,09
